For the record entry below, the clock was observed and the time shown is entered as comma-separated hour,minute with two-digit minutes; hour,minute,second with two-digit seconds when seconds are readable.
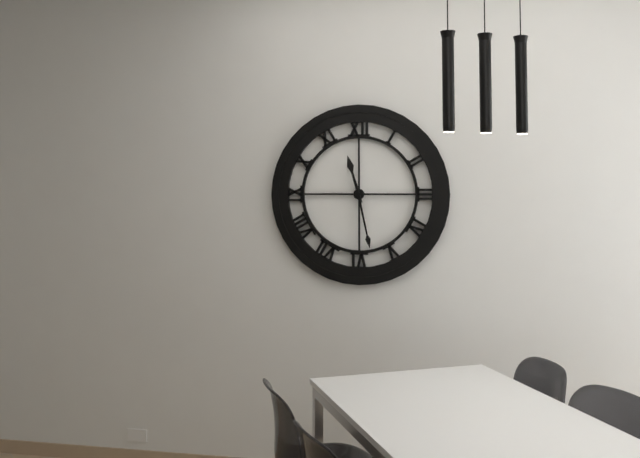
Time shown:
11,28
